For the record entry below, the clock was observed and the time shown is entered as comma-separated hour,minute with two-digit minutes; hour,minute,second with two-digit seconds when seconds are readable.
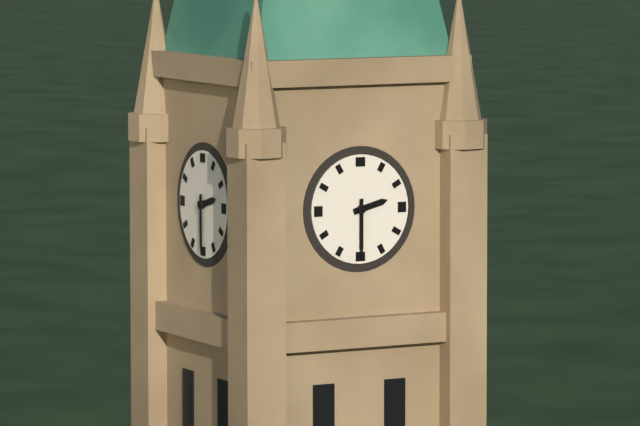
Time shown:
2,30
